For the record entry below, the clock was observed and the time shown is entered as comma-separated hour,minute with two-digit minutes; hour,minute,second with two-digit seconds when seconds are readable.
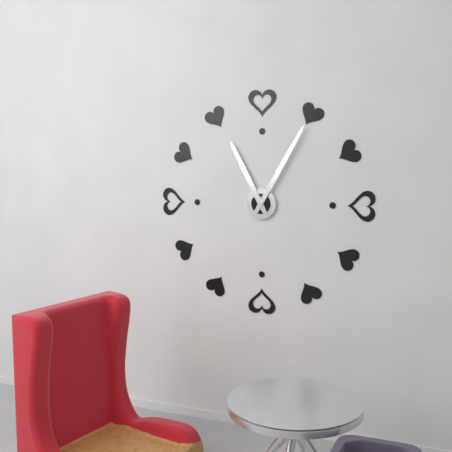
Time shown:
11,05
